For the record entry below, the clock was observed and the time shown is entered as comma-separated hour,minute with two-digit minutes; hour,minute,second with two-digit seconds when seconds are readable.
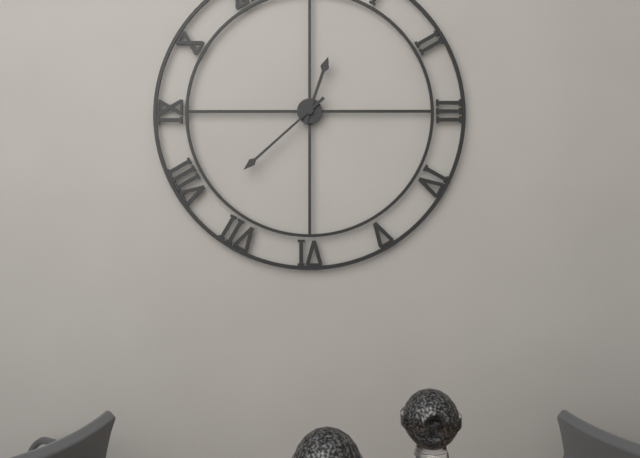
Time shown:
12,38
